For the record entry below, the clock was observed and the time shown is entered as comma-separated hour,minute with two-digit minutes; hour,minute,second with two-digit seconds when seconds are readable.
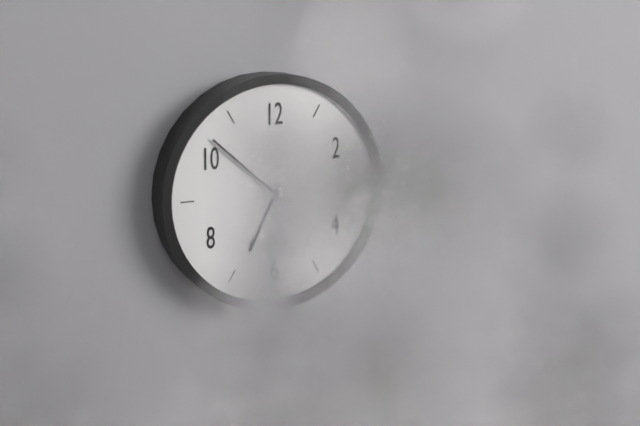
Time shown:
6,52
